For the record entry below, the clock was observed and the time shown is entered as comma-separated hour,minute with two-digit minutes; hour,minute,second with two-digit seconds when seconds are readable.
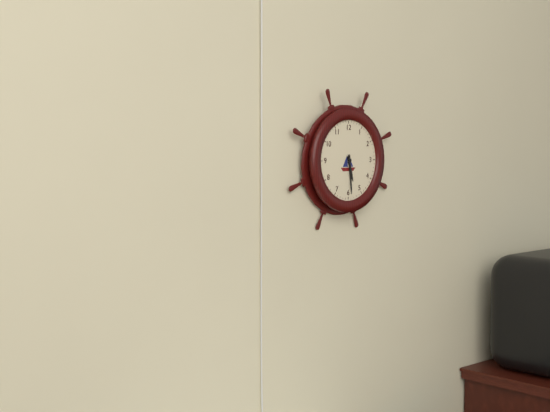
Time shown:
5,29
